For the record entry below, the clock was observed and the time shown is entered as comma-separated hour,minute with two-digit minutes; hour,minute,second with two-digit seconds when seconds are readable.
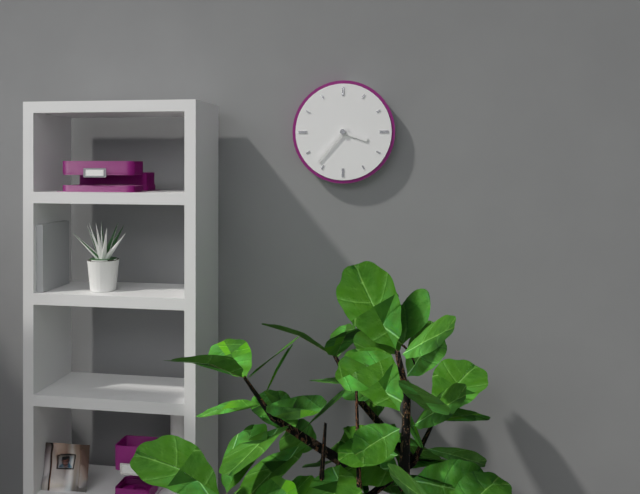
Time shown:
3,37
